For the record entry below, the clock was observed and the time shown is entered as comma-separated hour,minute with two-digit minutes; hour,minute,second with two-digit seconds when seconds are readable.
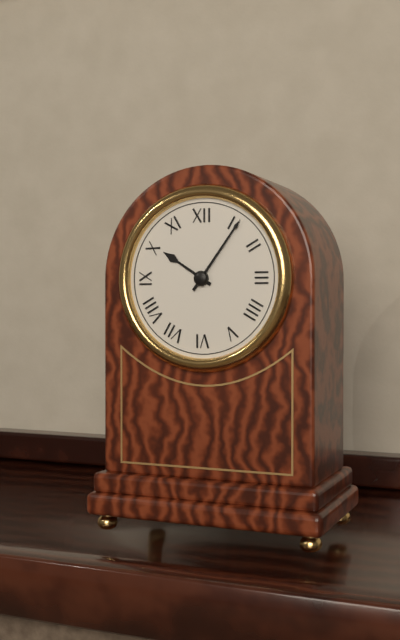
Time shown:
10,06
